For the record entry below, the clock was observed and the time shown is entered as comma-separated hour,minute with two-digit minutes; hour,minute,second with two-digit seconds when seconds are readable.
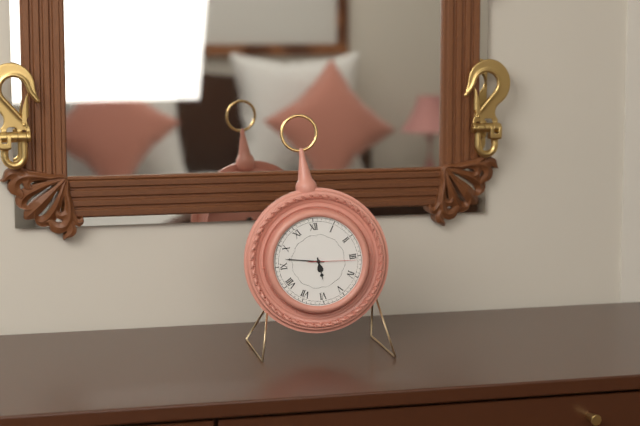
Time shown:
5,47,16
